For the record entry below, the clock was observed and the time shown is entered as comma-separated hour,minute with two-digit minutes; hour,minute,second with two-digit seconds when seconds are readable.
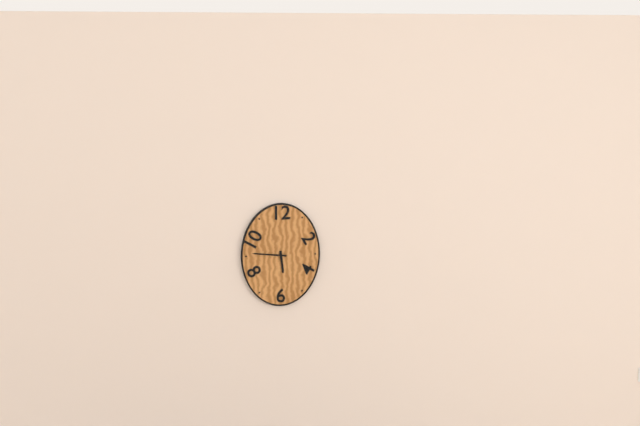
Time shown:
5,46
